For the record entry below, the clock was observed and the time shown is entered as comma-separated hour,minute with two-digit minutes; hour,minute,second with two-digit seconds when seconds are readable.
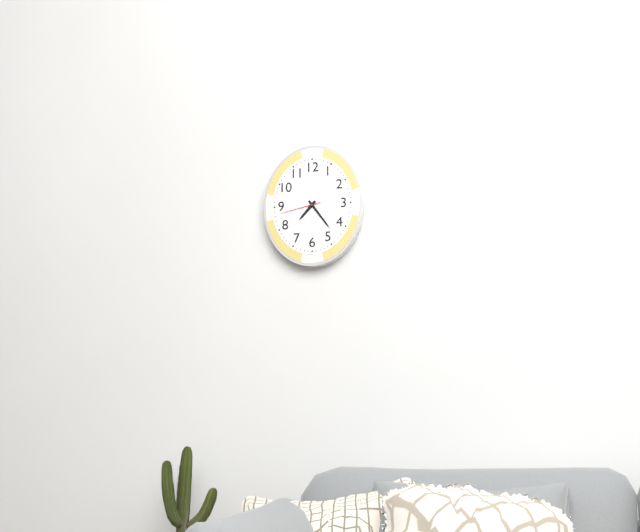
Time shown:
7,24
